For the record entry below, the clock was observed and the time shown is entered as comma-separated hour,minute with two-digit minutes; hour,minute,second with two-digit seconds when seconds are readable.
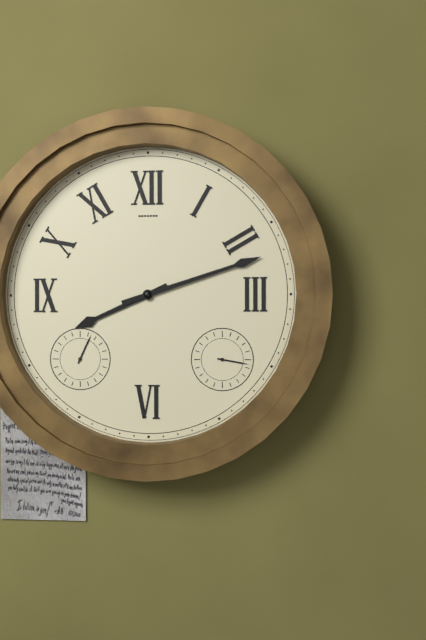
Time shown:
8,12
